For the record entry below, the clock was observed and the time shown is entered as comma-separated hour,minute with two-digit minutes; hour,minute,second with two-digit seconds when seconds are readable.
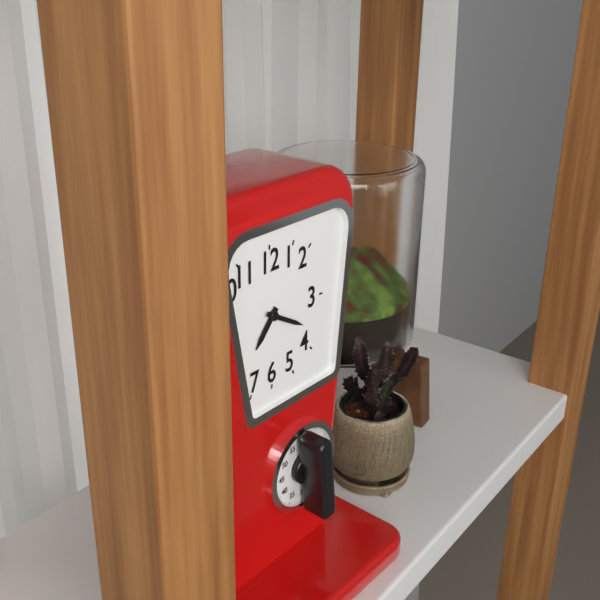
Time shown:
7,20
